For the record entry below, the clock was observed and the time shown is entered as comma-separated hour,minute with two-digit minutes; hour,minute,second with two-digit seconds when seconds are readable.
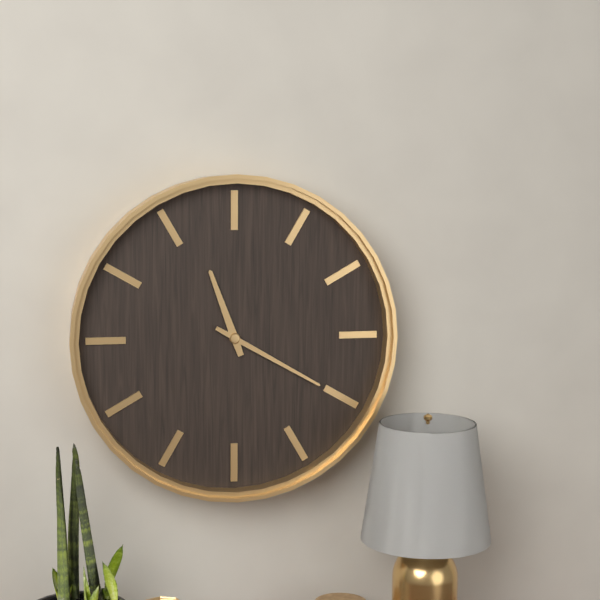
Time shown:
11,20
